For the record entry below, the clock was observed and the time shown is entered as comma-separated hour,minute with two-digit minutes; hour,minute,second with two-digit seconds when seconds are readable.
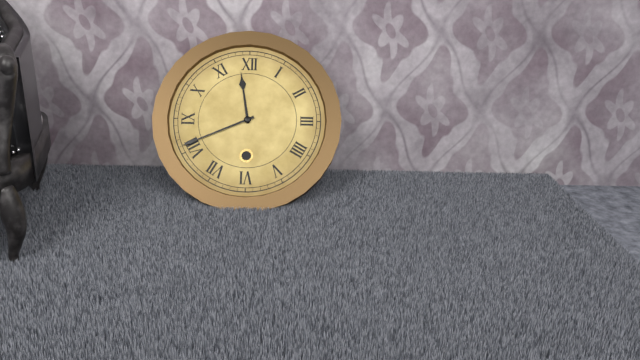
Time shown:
11,41
